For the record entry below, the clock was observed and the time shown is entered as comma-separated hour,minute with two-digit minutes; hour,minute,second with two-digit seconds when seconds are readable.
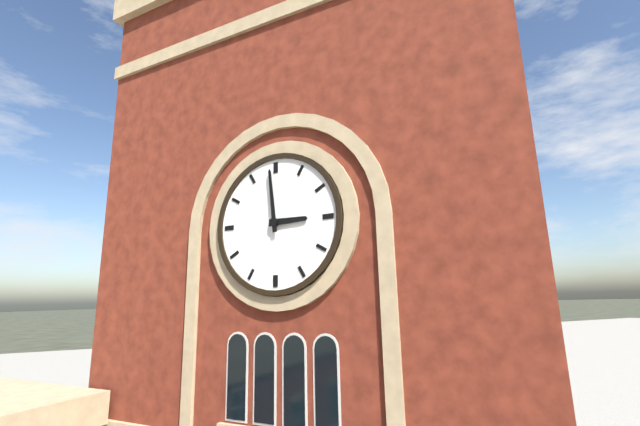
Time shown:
2,59
